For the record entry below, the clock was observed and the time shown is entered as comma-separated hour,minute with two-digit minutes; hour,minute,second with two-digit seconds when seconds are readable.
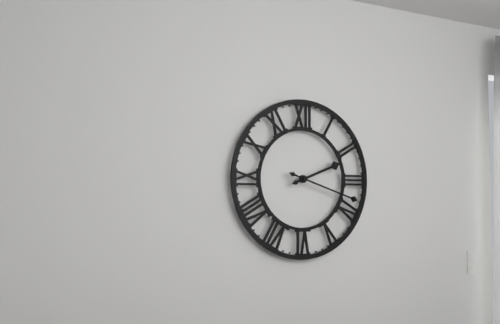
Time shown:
2,18
